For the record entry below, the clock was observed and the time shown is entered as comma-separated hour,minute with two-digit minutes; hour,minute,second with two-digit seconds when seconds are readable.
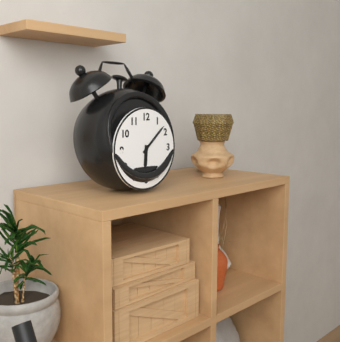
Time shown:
6,08
